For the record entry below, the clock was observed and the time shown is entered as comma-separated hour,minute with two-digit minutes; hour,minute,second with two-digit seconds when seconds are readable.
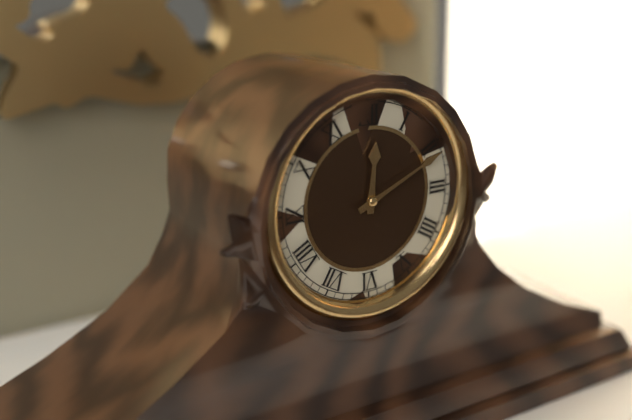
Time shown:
12,11
